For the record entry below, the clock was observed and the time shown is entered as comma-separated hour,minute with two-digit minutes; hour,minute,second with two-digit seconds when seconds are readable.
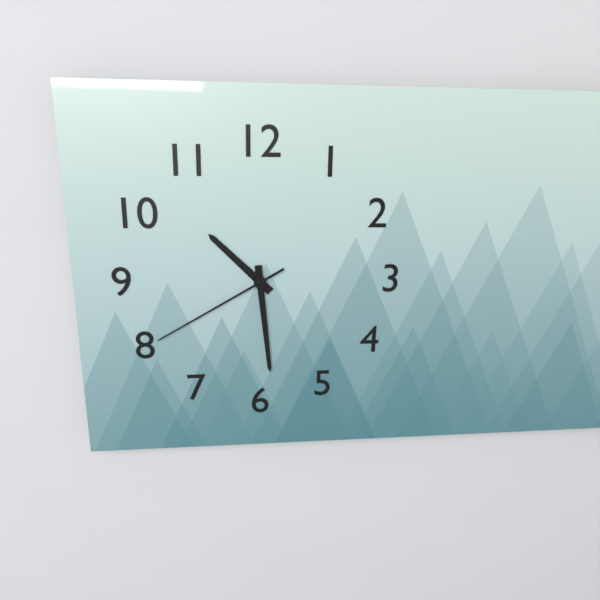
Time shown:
10,29,40
